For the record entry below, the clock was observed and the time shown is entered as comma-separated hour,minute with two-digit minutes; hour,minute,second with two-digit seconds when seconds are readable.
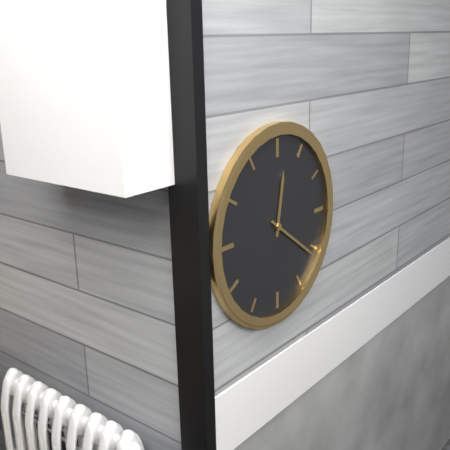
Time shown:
12,21
